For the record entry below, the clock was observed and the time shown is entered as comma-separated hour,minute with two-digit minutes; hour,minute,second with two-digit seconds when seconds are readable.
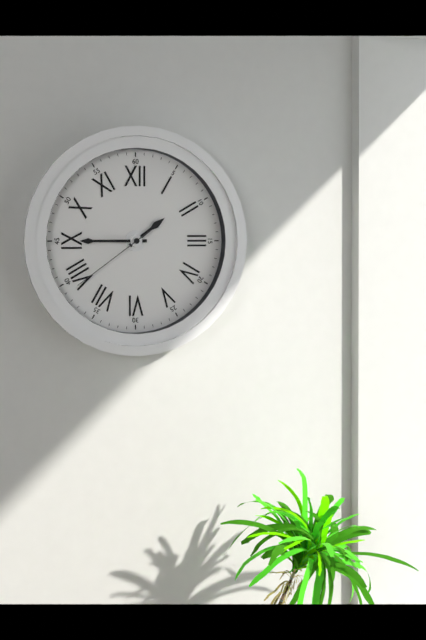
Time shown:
1,45,39
